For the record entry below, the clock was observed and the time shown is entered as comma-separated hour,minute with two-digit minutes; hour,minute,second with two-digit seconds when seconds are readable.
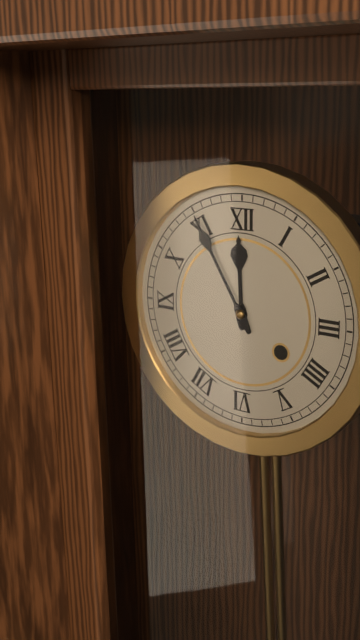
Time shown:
11,55
